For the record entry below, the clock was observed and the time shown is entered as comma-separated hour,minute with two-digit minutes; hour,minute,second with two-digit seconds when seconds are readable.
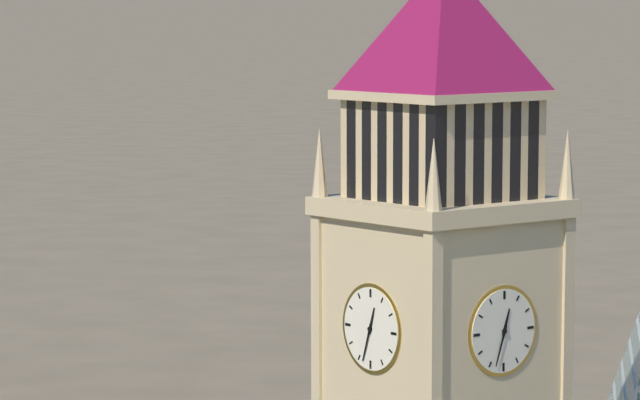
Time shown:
12,33
